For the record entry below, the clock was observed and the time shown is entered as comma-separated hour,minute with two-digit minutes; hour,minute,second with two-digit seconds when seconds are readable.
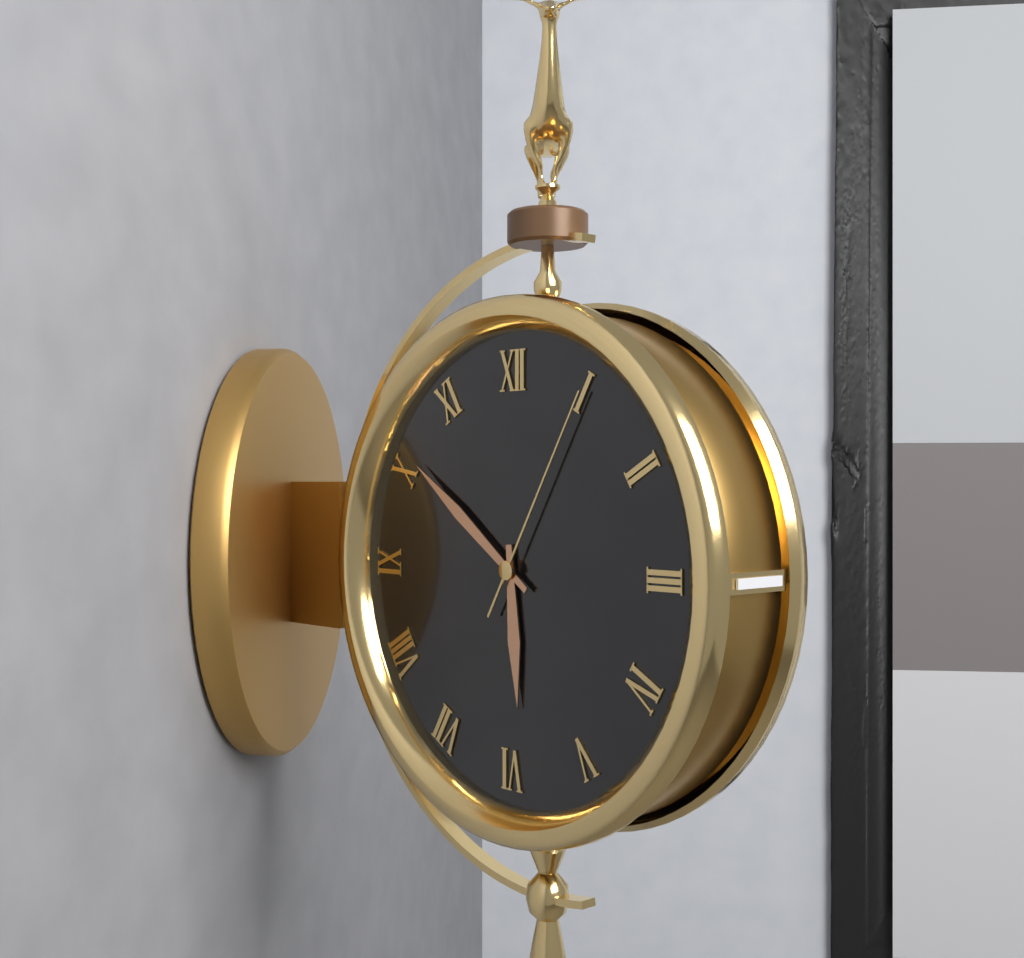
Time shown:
5,51,05
